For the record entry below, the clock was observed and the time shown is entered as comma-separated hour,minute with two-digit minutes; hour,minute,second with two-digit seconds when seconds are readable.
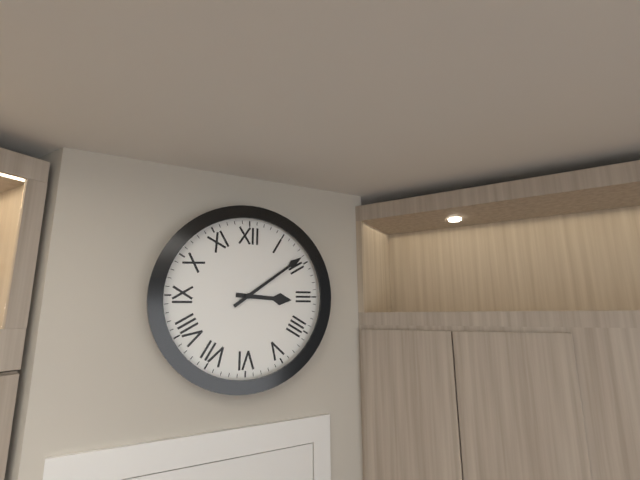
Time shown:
3,09
